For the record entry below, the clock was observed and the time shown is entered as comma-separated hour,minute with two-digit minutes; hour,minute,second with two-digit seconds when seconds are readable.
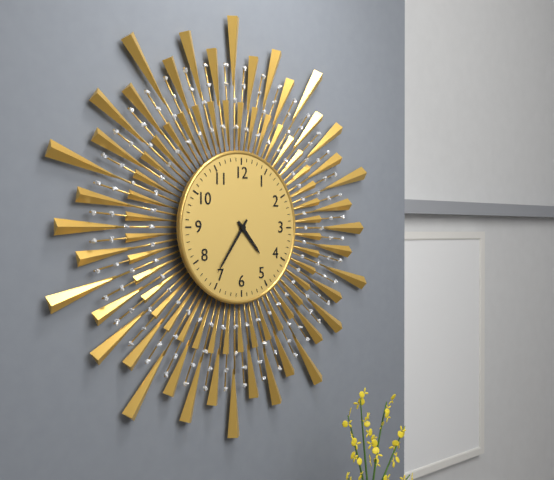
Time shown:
4,36
